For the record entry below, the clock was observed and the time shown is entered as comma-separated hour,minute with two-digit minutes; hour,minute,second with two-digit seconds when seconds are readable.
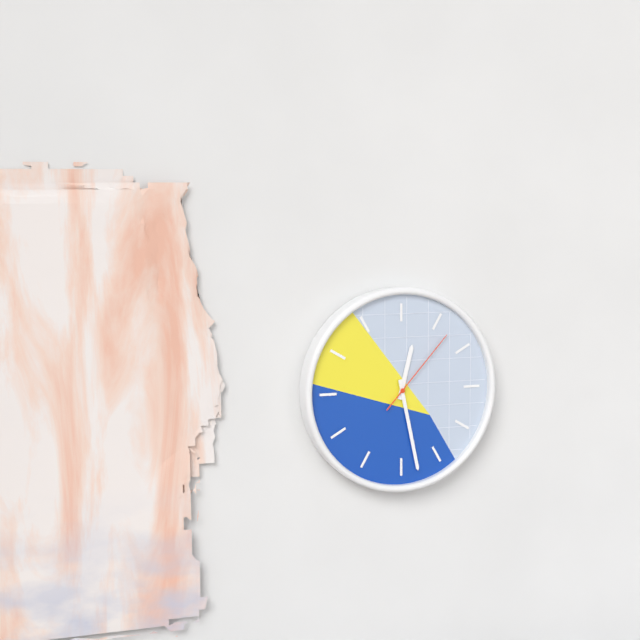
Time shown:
12,28,07
